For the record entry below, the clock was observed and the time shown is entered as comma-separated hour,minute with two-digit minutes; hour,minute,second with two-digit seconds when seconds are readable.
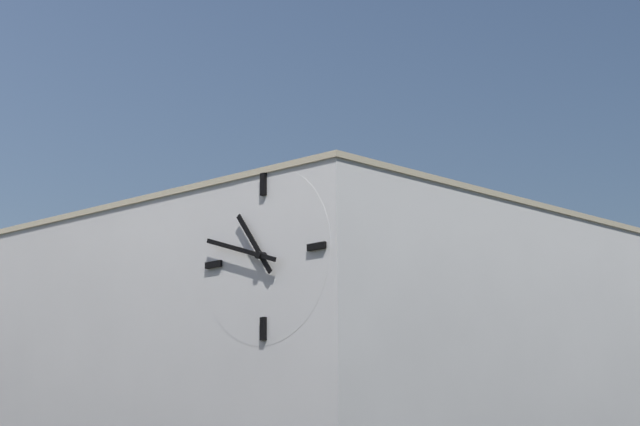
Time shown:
10,48
